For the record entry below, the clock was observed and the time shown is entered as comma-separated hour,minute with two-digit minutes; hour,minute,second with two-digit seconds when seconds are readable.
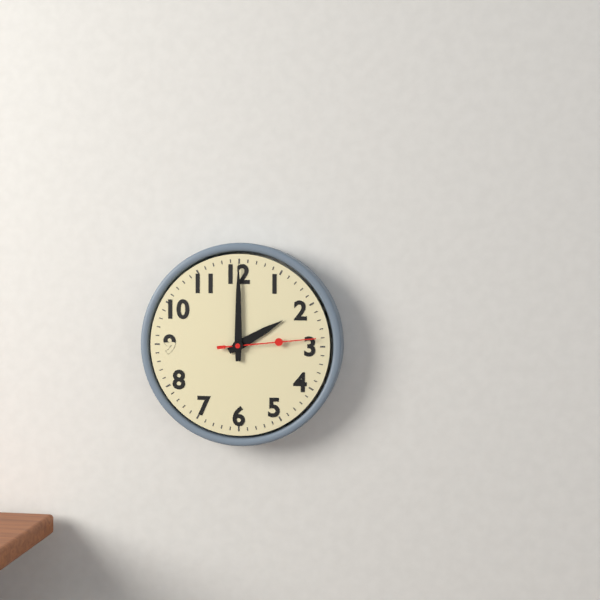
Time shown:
2,00,14
